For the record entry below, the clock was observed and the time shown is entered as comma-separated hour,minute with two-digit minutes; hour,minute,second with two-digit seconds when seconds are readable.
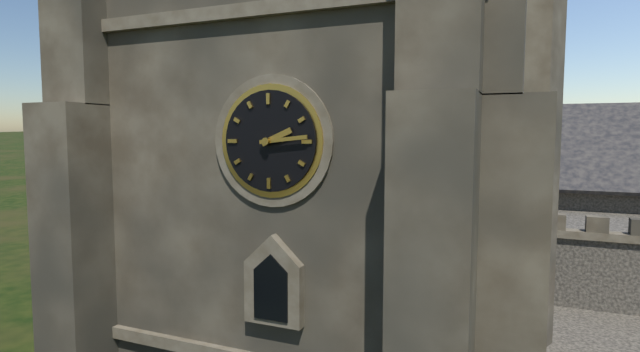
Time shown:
2,14
